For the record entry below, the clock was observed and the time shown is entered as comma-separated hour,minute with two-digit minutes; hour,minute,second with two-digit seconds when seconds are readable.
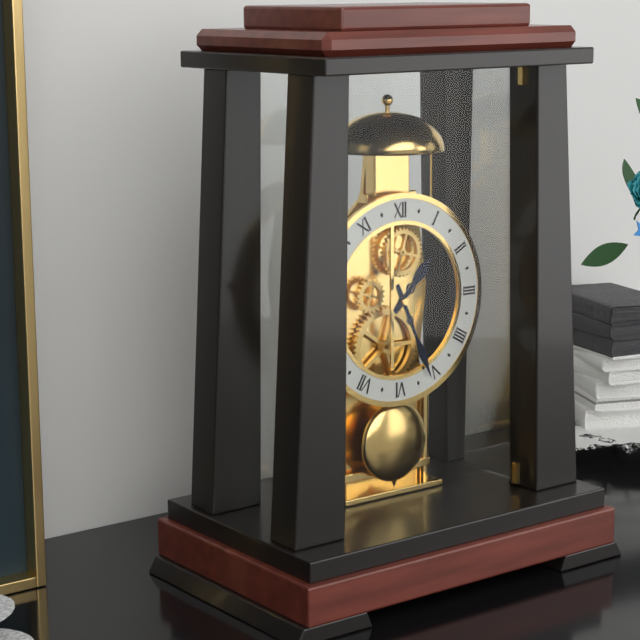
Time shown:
1,26
